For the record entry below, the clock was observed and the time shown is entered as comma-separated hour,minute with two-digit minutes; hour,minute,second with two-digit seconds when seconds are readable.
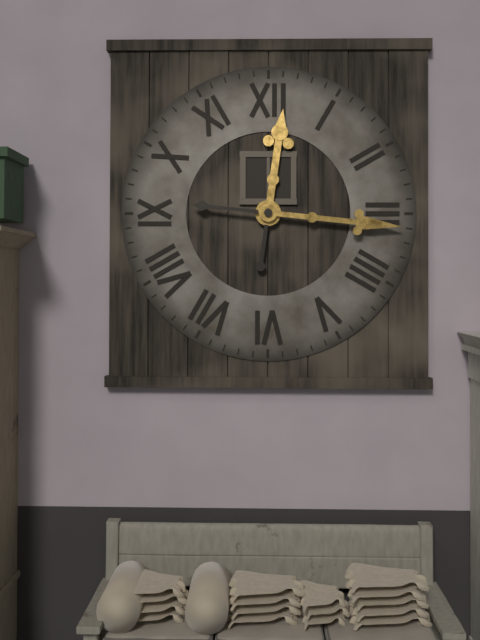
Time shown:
12,16
